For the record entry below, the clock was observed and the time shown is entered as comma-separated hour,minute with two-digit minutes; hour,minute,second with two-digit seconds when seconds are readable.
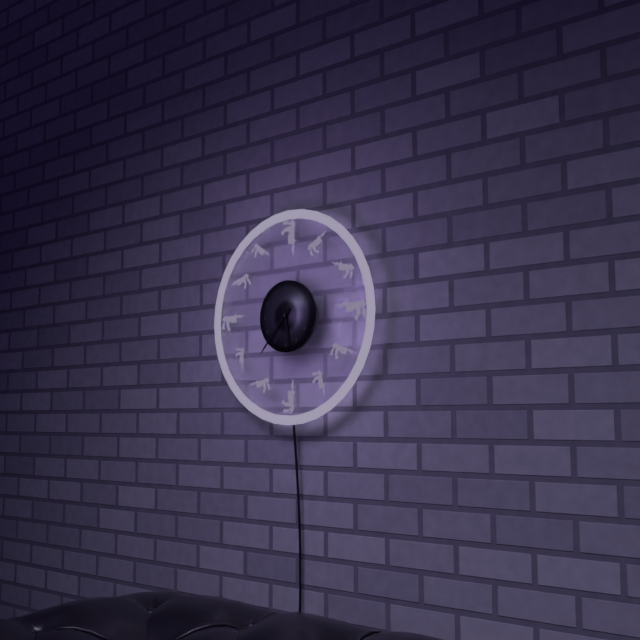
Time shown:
5,37
